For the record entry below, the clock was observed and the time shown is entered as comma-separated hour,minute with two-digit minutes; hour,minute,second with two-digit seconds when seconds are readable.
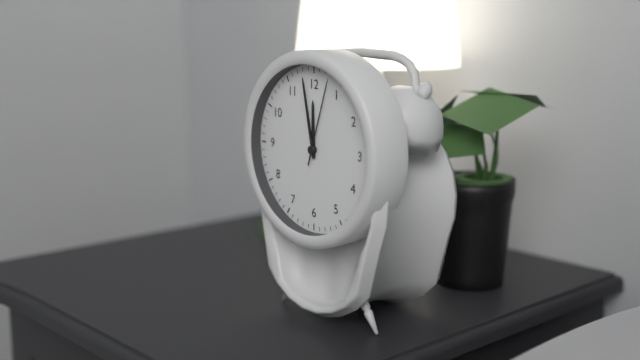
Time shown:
11,58,03
